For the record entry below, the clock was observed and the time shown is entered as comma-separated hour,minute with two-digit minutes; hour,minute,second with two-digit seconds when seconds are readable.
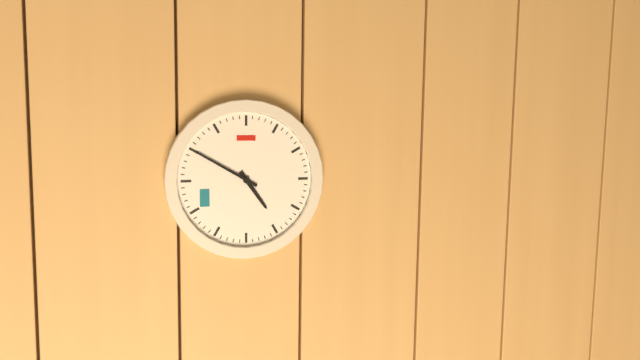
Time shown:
4,50
